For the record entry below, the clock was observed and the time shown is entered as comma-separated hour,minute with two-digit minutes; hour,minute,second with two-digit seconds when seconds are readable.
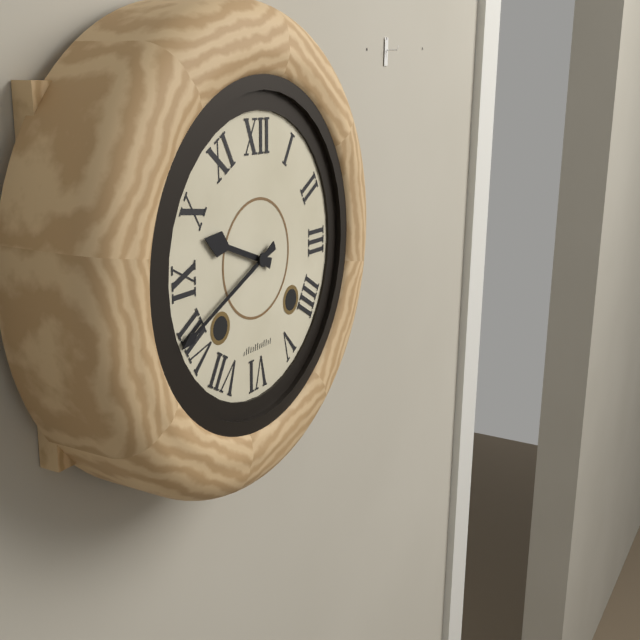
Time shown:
9,41
